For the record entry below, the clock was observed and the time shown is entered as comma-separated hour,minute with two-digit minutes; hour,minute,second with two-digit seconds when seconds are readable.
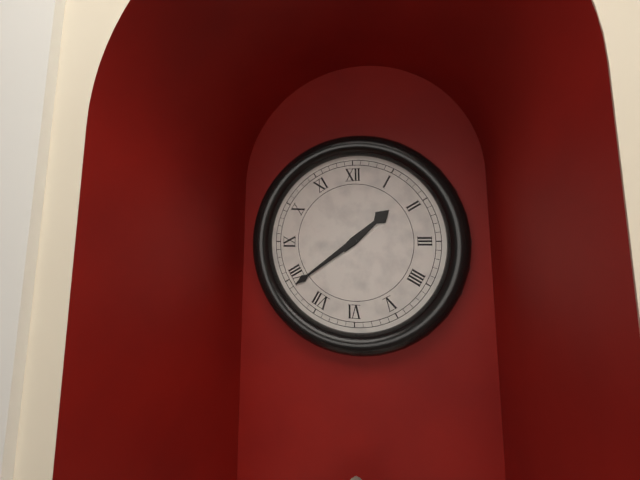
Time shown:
1,39
